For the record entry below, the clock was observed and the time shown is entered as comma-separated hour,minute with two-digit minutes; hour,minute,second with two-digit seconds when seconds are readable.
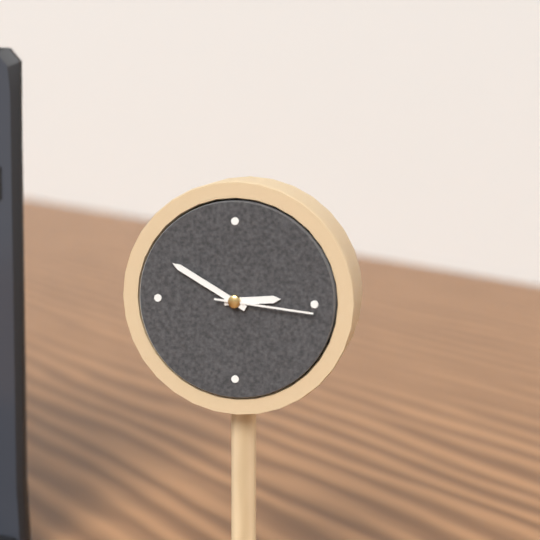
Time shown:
2,50,16
